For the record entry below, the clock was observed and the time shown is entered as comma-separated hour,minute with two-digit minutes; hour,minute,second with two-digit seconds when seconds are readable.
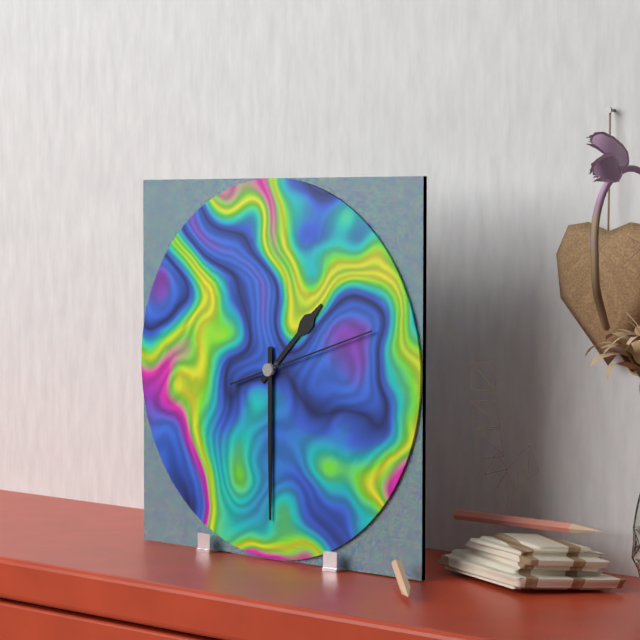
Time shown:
1,30,12
